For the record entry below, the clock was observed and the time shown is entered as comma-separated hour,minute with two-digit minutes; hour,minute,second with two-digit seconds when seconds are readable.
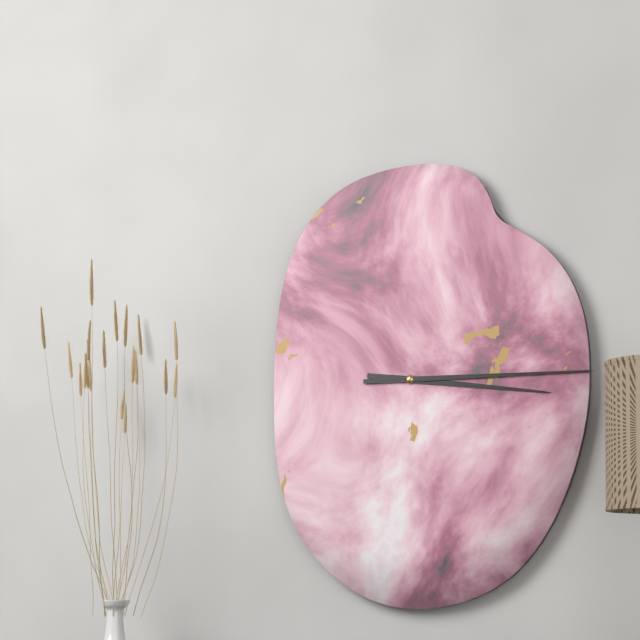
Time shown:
3,15
